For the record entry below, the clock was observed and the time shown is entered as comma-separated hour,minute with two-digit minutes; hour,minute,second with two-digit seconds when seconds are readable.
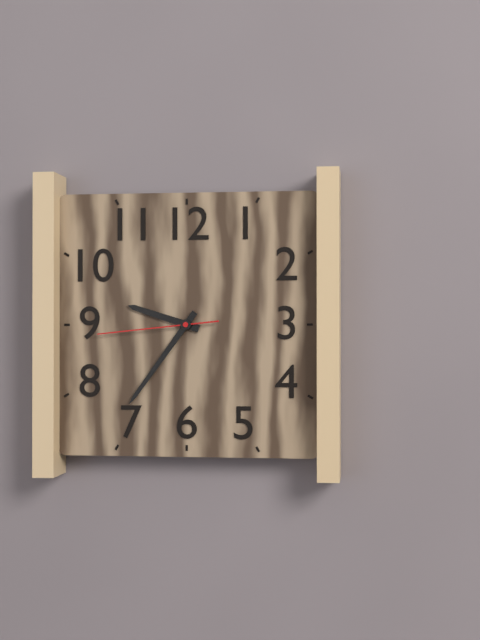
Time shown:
9,36,44
